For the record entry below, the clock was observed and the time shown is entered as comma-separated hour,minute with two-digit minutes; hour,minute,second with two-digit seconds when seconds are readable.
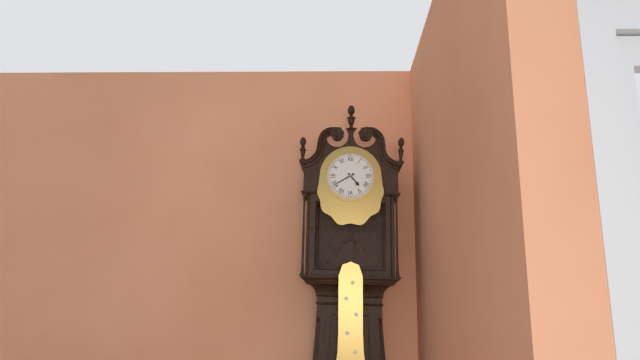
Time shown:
4,40
